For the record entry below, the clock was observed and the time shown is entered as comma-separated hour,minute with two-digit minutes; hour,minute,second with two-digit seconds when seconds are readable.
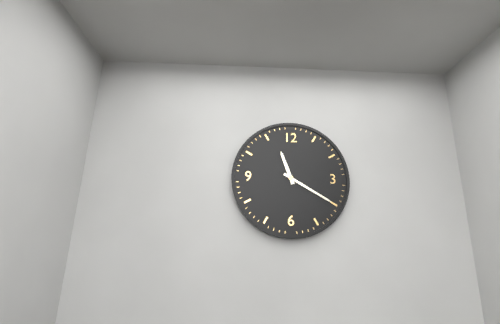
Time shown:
11,20
